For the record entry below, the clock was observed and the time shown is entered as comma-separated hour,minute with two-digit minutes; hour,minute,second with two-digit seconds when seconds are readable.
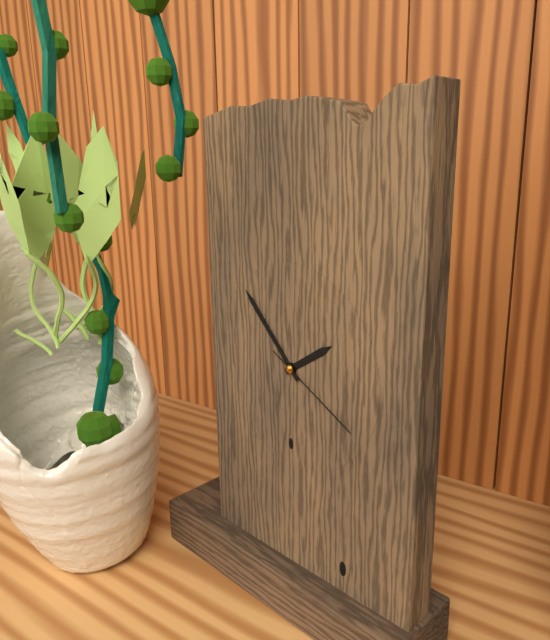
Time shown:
1,53,20
